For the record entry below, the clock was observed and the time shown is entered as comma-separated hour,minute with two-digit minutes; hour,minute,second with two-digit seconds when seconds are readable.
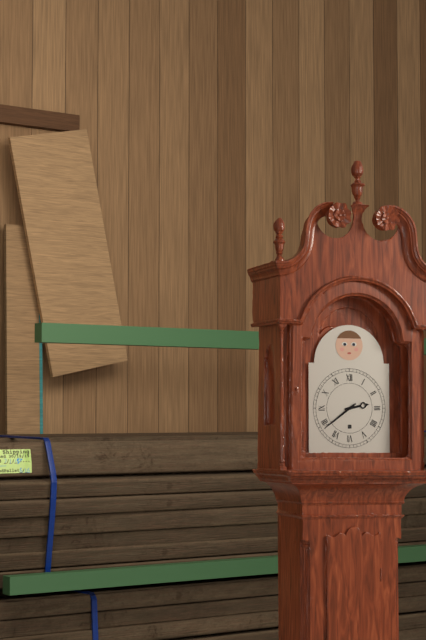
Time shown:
2,39
